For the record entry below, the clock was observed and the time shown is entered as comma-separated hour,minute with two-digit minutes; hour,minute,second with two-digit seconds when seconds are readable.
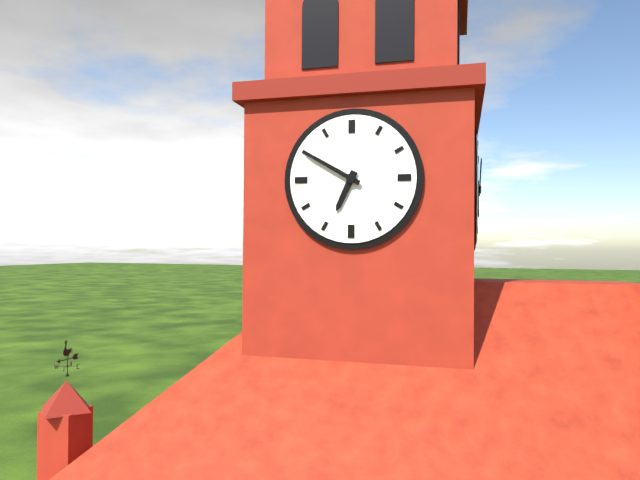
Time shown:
6,50
